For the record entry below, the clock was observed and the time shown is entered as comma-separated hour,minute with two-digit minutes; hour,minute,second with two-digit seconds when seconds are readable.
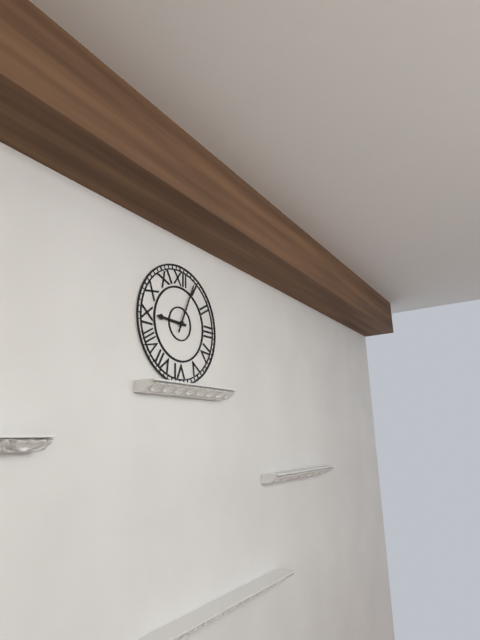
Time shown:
9,04
